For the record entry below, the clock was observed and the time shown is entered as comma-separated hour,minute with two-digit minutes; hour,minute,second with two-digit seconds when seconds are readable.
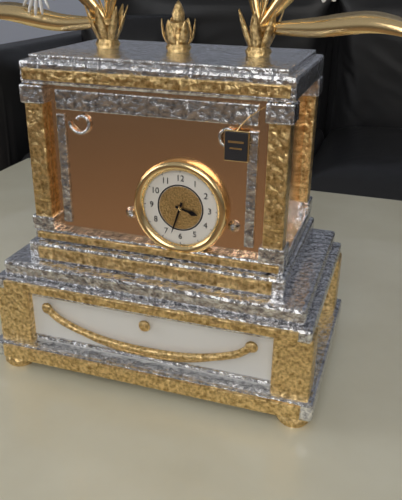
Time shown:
3,33
